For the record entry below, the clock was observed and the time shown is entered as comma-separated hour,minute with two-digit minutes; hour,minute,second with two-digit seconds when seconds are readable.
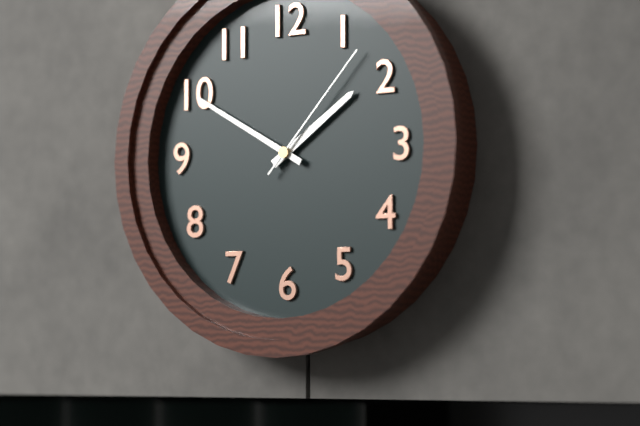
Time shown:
1,50,07
